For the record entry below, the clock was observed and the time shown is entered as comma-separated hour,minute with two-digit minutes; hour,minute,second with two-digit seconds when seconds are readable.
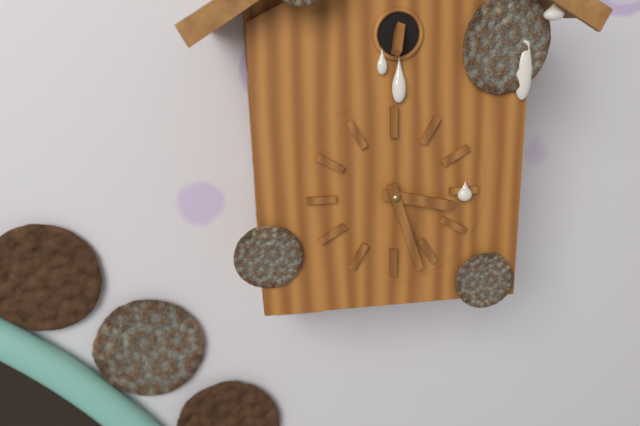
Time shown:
3,27
